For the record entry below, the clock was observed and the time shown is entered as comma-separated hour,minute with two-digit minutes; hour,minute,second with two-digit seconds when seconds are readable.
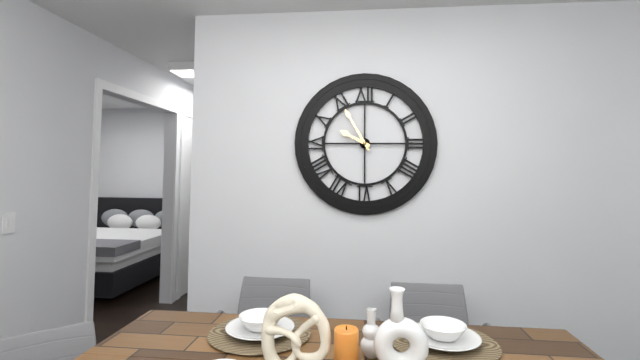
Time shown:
9,55
